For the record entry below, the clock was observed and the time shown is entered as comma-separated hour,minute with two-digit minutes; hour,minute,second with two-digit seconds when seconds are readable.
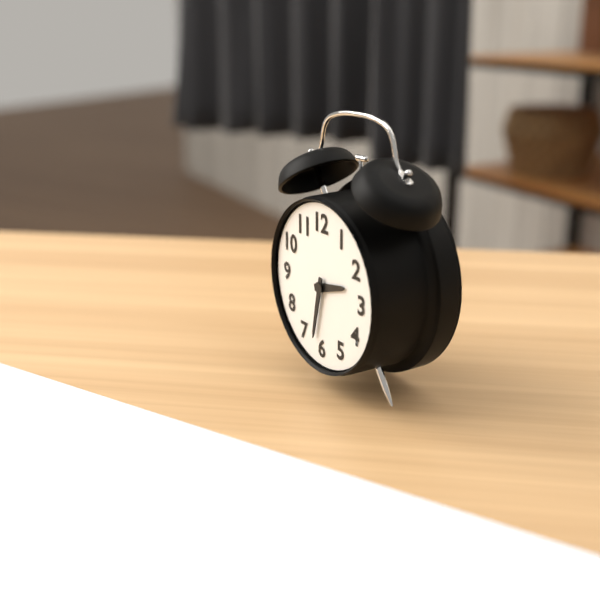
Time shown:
2,32
